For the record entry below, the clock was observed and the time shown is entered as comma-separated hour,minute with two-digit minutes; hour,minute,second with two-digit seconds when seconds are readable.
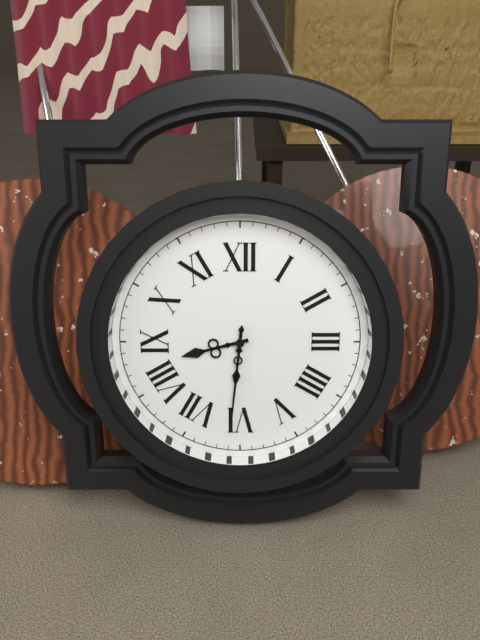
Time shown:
8,31
